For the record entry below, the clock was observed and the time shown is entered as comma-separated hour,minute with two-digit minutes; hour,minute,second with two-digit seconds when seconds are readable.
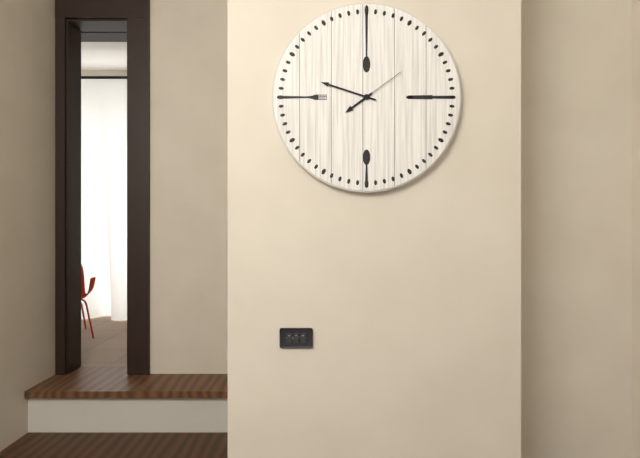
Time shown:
7,48,09
